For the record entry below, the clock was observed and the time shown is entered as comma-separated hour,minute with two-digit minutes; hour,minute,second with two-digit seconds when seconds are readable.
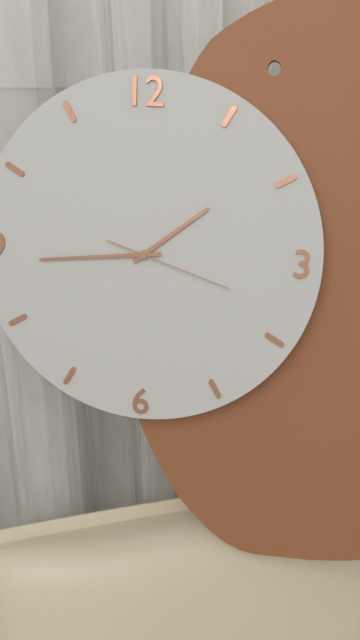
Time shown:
1,44,18
